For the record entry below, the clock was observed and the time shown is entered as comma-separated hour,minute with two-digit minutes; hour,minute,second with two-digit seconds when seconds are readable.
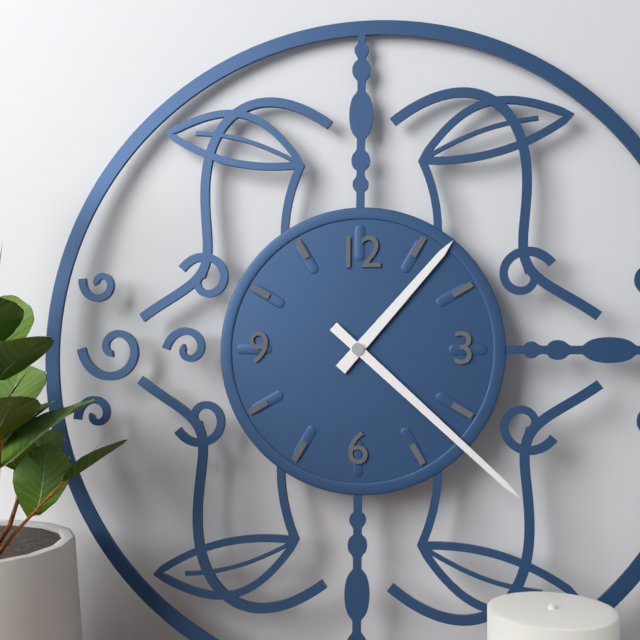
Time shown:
1,22
